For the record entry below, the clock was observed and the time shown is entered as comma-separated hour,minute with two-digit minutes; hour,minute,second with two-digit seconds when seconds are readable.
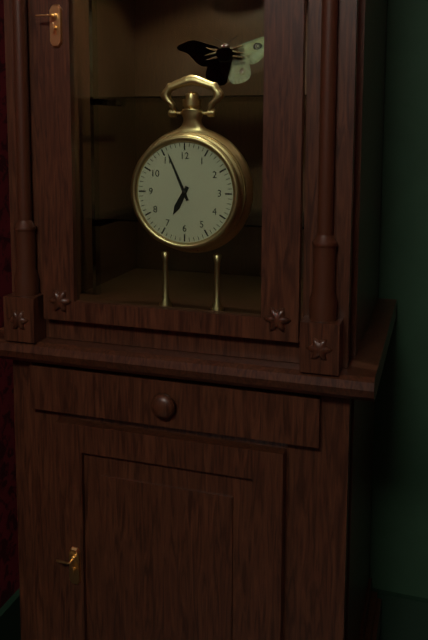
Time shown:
6,56
